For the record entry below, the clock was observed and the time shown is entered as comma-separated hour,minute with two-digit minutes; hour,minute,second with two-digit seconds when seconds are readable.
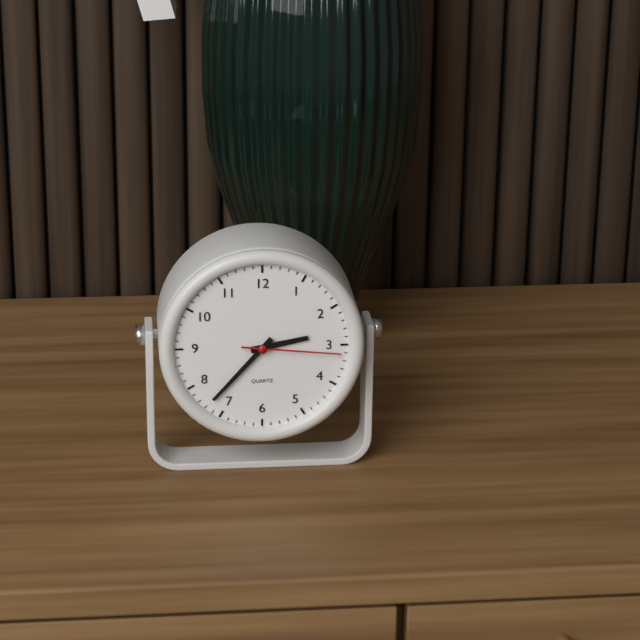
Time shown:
2,37,16
